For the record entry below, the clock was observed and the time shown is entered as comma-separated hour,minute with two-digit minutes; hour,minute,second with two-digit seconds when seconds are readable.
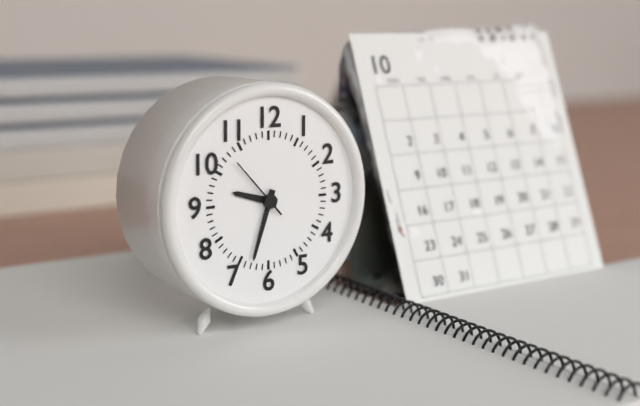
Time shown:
9,33,53
